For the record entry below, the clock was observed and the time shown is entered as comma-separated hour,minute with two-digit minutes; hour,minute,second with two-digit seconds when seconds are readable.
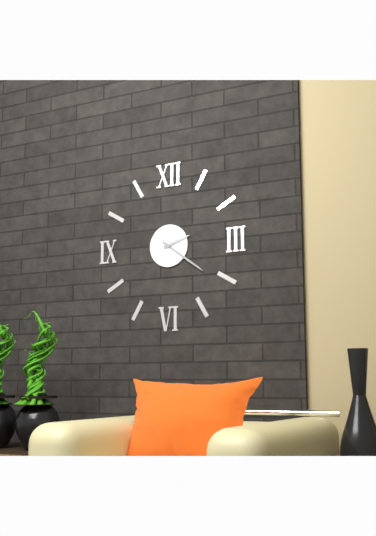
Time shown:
2,21
